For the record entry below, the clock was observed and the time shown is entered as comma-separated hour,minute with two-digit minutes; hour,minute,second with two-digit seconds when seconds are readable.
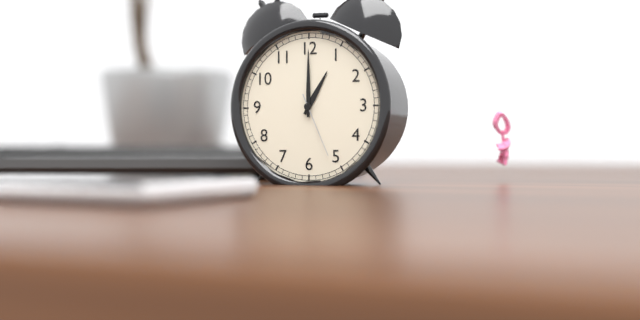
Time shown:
1,00,26
